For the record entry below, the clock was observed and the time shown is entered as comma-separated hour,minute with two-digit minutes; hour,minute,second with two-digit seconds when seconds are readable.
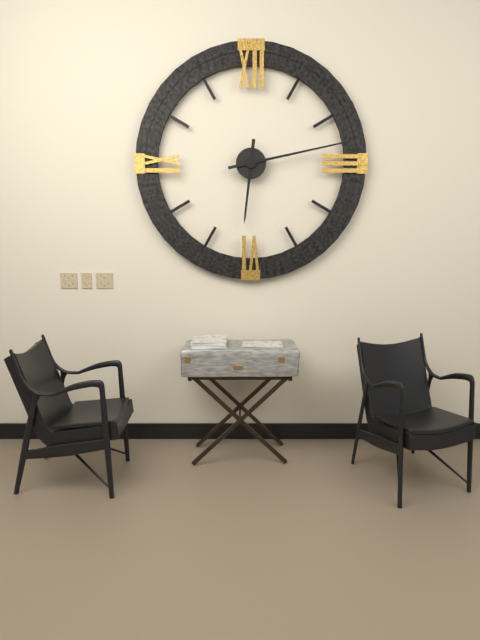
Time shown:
6,13
